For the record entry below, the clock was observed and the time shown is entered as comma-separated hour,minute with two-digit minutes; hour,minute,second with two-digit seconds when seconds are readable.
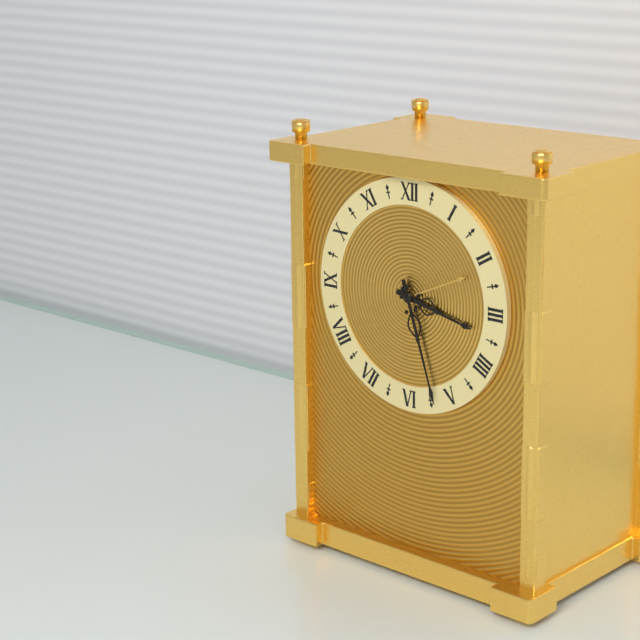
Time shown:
3,27
